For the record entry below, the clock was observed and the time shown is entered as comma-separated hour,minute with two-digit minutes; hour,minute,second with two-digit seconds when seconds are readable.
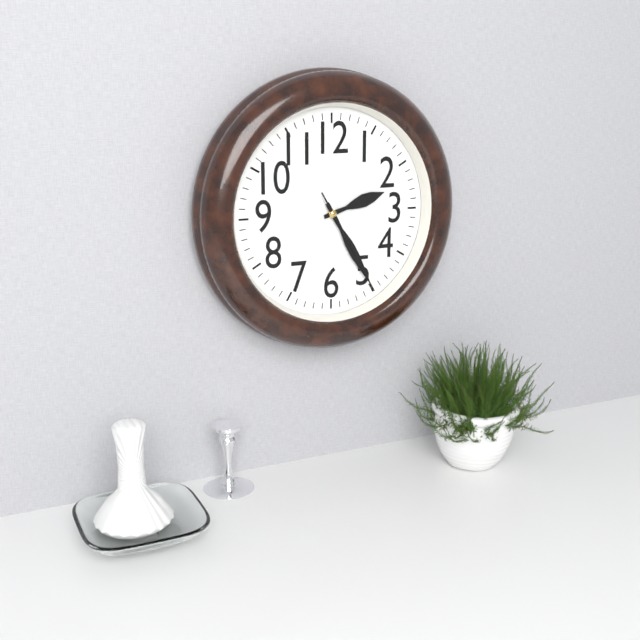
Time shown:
2,25,25
